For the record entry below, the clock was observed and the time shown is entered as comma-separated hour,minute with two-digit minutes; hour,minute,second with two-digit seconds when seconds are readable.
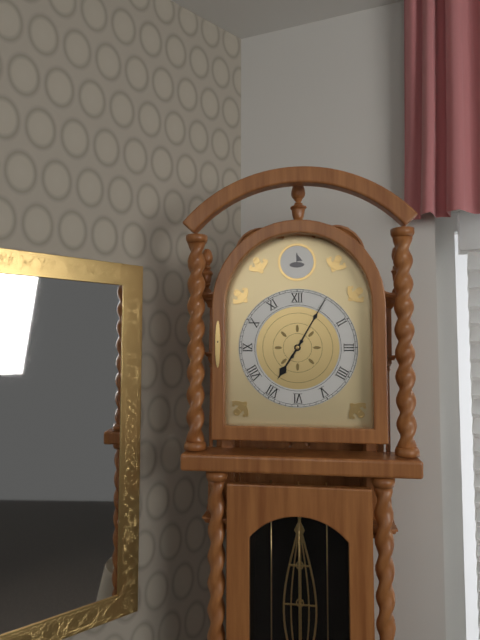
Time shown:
7,05
